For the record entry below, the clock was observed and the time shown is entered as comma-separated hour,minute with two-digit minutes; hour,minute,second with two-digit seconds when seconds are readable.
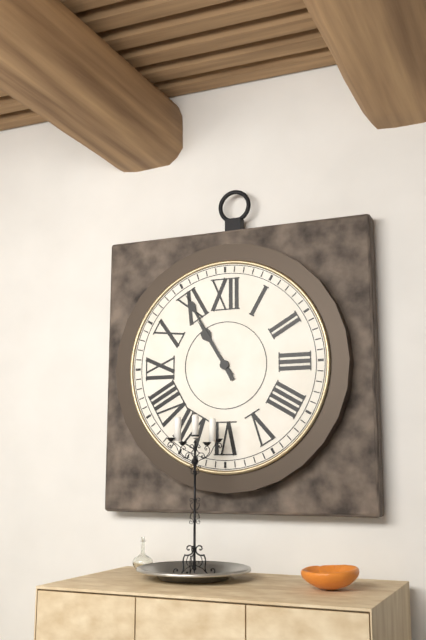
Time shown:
10,55
